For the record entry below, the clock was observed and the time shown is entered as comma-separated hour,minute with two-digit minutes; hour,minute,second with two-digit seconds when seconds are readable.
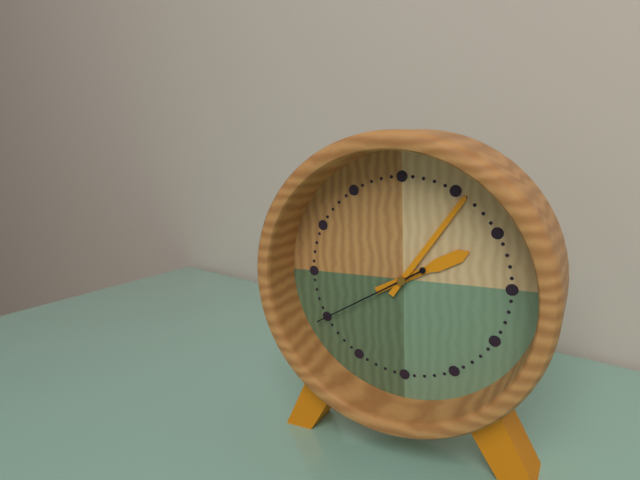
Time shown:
2,06,40
